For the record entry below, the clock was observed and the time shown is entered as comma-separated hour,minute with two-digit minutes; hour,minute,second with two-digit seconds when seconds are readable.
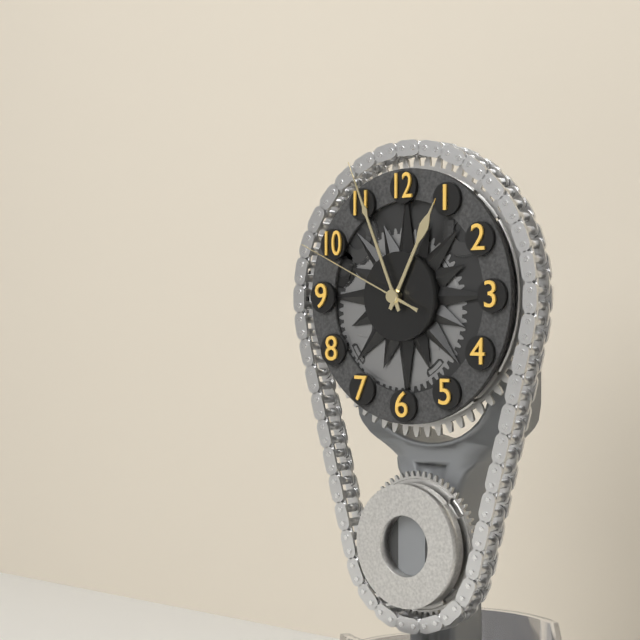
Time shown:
12,56,49
